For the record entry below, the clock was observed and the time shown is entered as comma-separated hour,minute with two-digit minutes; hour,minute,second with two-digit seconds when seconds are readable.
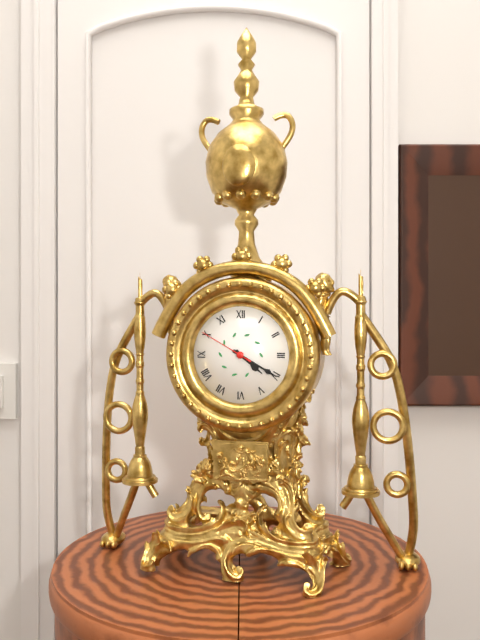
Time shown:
4,20,50
